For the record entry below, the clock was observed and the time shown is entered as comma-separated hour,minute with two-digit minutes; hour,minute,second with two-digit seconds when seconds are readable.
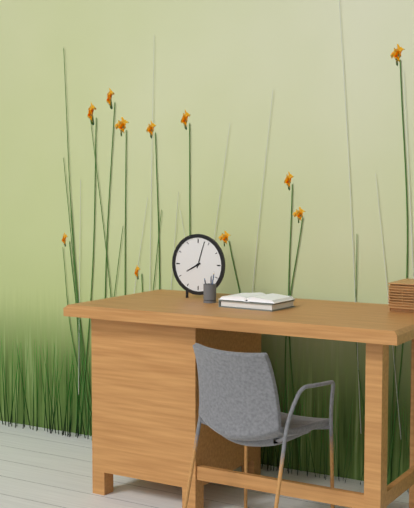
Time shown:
8,03
